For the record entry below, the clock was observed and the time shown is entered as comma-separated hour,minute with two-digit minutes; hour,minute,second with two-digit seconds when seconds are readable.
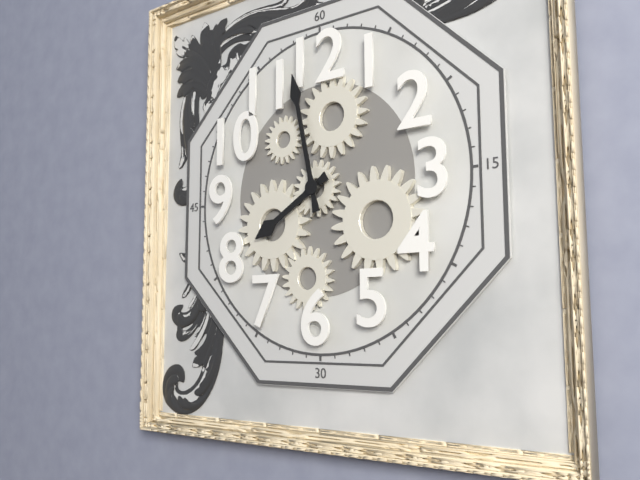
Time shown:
7,58
